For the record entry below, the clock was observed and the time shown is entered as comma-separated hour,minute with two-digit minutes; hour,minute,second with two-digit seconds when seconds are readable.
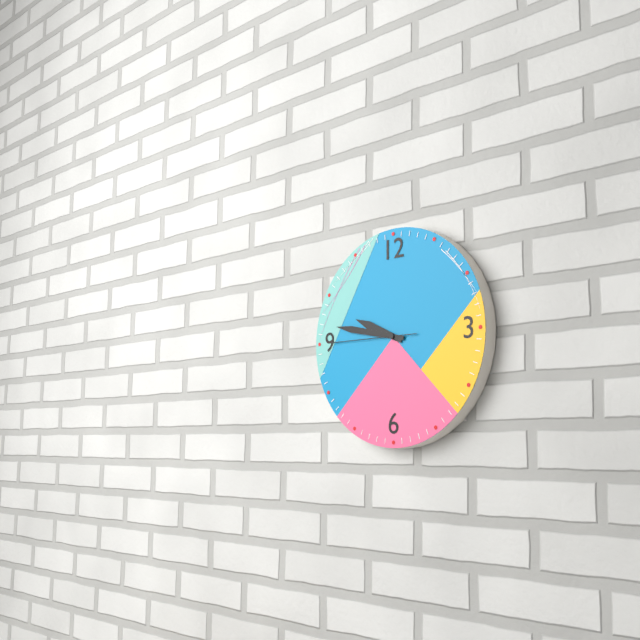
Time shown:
9,47,45
